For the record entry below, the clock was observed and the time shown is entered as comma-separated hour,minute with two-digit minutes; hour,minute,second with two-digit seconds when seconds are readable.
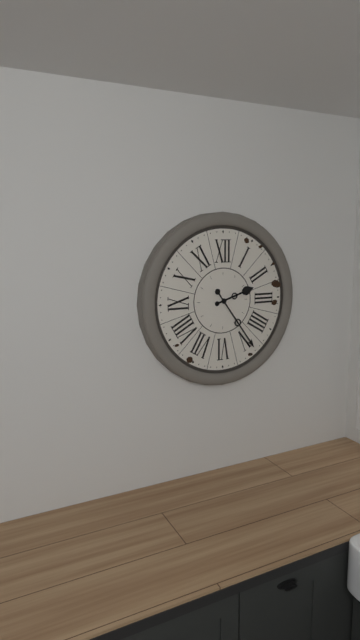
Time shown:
2,24
